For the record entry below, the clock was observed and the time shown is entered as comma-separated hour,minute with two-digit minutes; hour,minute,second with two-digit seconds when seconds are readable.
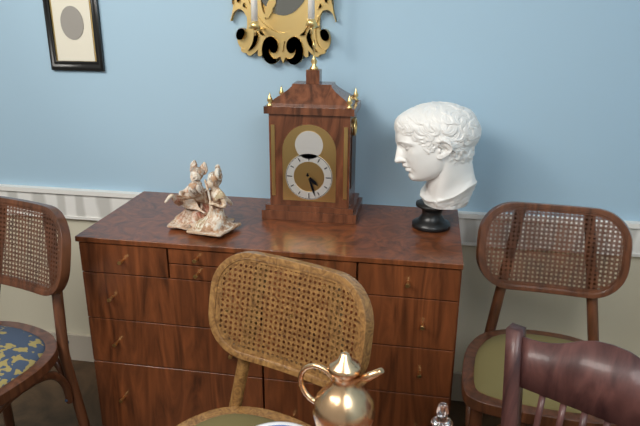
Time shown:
4,27
